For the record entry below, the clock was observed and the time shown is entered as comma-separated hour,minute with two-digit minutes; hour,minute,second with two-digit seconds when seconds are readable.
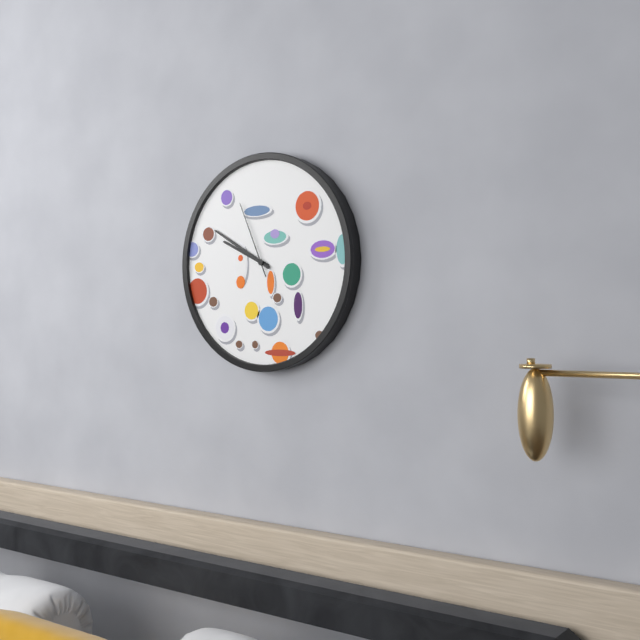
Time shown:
9,50,56
